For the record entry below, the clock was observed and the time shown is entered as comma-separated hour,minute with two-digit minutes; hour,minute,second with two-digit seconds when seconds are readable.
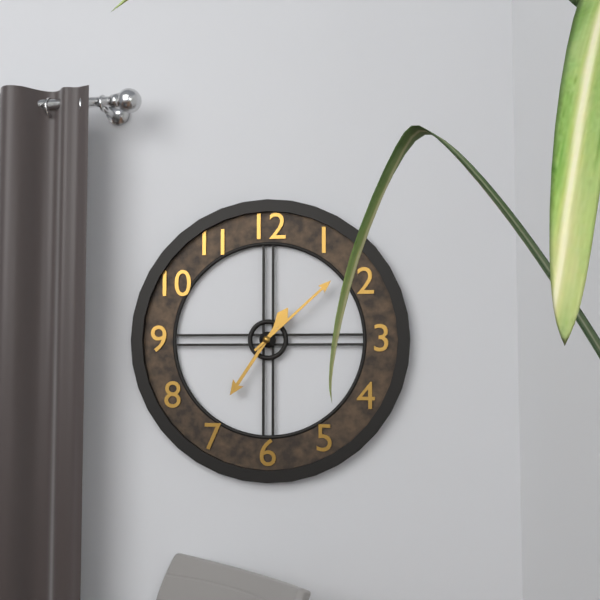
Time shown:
7,08
